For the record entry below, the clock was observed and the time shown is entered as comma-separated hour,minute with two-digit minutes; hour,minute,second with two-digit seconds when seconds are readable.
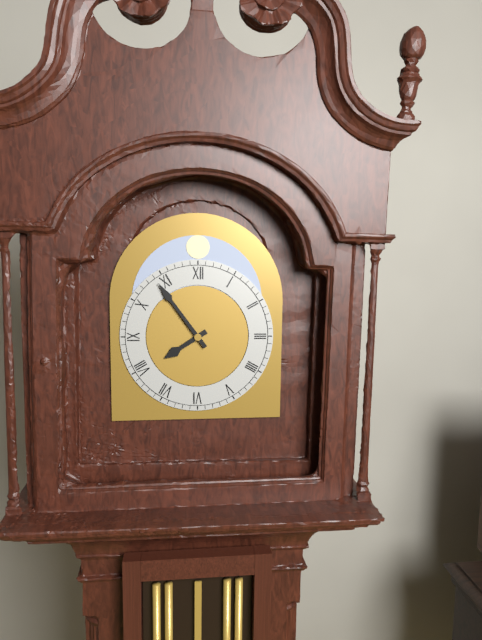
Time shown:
7,54
